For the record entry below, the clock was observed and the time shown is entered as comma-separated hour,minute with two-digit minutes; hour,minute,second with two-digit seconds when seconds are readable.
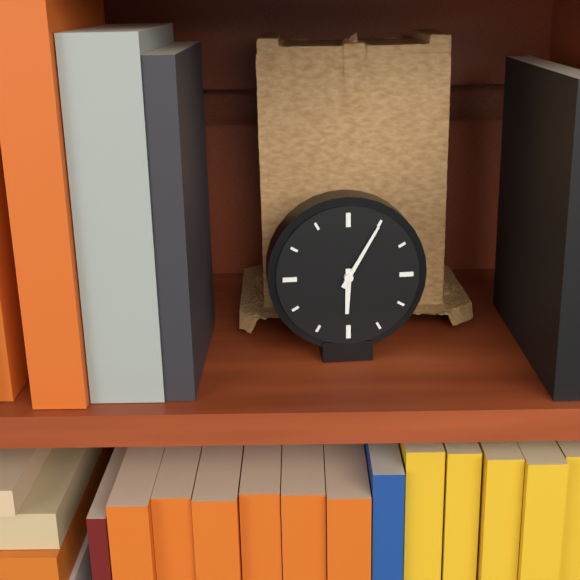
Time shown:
6,05
